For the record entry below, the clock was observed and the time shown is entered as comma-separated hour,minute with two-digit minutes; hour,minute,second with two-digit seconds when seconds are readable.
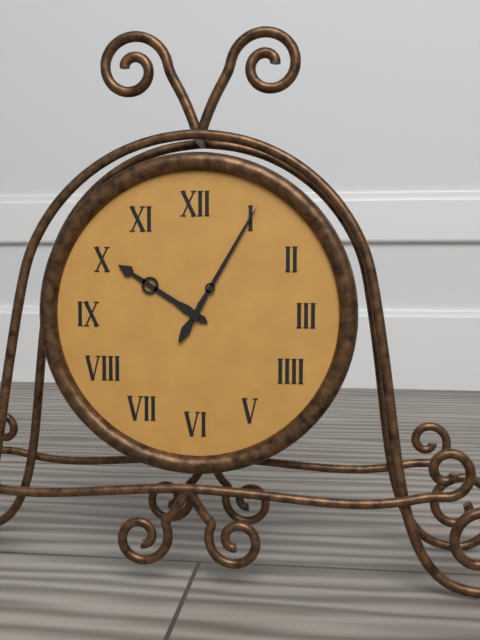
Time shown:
10,05
